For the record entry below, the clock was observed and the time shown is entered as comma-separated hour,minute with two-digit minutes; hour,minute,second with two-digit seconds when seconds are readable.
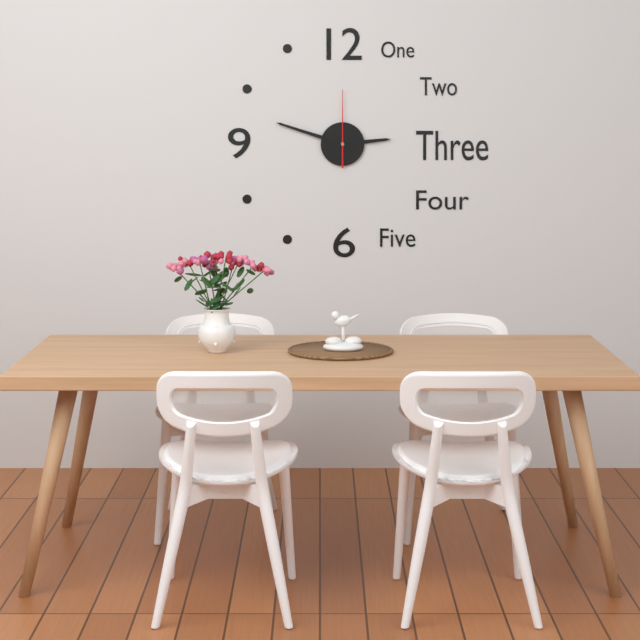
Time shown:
2,48,00
